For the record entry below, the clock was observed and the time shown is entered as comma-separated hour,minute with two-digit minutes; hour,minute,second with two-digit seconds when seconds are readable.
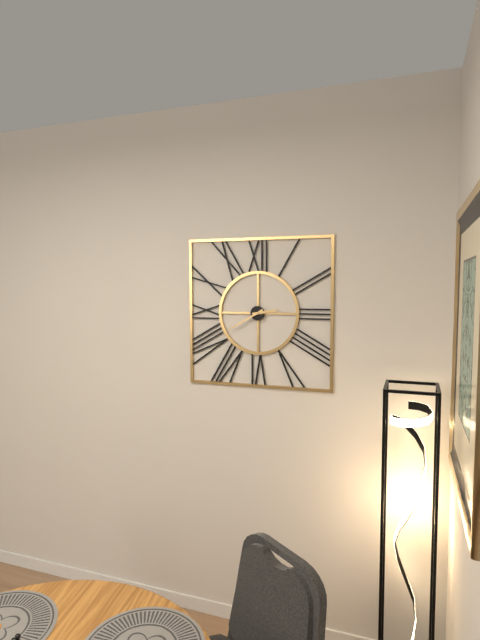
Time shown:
2,40
